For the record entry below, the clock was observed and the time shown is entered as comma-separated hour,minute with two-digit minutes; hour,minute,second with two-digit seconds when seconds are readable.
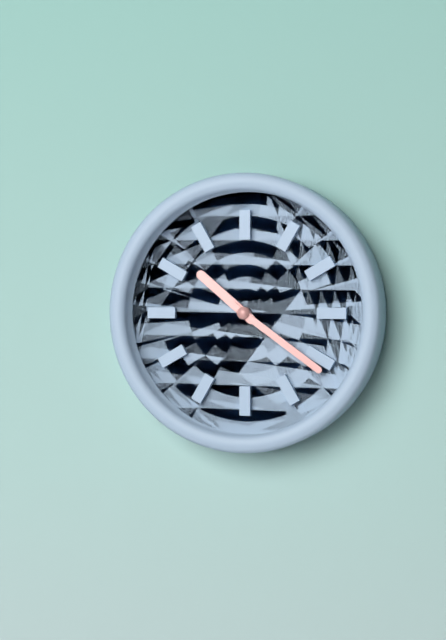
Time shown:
10,21
